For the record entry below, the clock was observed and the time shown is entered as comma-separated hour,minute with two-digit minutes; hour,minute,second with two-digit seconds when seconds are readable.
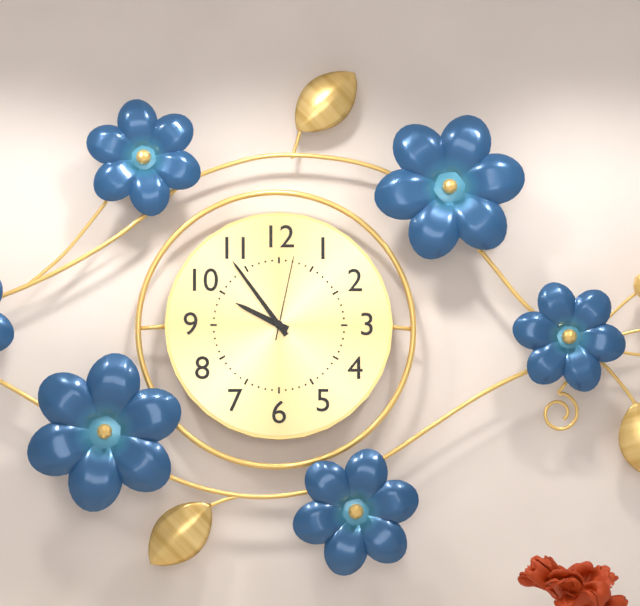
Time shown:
9,54,02
